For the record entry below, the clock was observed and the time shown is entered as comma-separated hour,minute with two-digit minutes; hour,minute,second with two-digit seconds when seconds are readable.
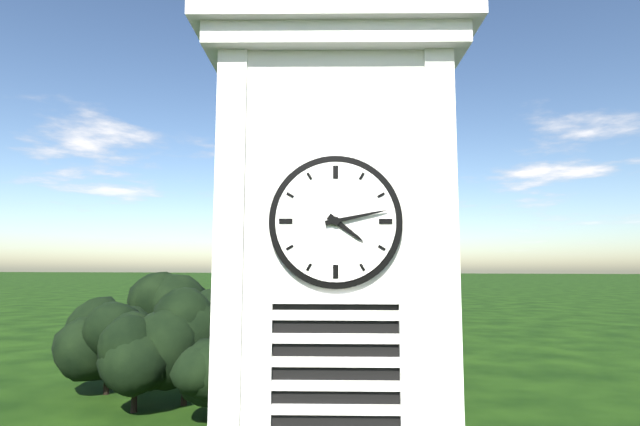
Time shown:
4,13
